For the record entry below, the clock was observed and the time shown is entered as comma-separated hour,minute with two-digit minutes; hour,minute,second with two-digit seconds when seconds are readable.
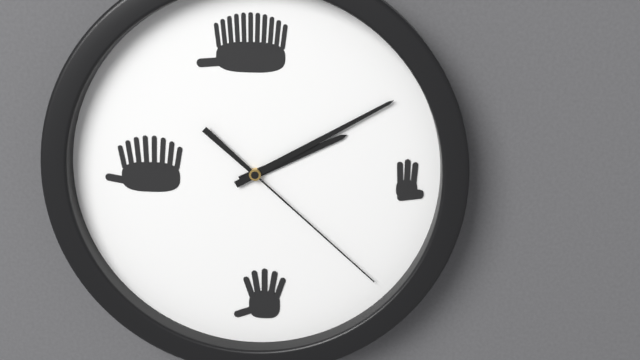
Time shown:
2,10,22
